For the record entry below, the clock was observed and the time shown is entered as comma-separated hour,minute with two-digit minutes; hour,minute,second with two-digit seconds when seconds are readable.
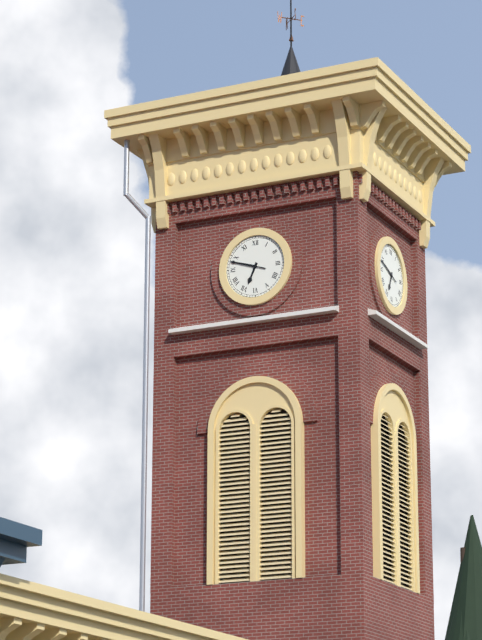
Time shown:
6,48
